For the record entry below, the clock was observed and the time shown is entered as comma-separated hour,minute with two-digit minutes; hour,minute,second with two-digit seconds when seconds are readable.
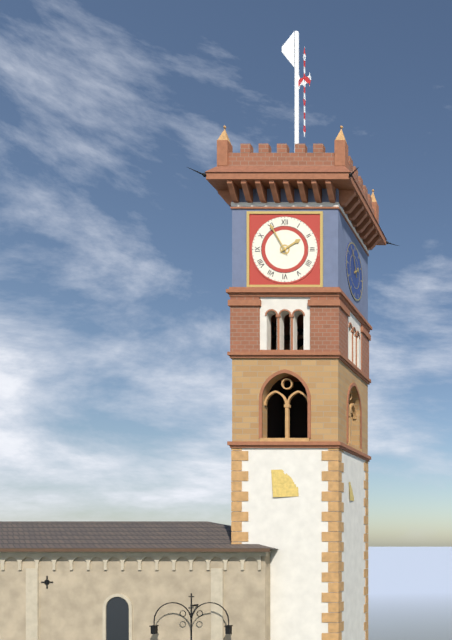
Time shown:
1,55
